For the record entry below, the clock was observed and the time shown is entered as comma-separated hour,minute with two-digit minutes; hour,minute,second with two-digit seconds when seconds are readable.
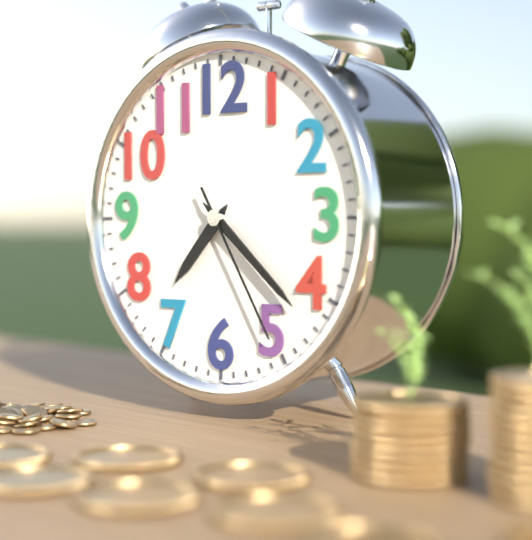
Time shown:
7,22,25
